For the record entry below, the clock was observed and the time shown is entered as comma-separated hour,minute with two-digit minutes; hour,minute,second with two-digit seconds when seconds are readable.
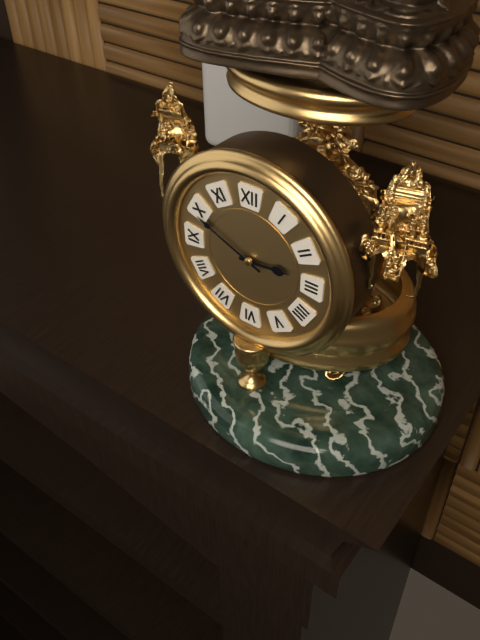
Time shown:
2,49
